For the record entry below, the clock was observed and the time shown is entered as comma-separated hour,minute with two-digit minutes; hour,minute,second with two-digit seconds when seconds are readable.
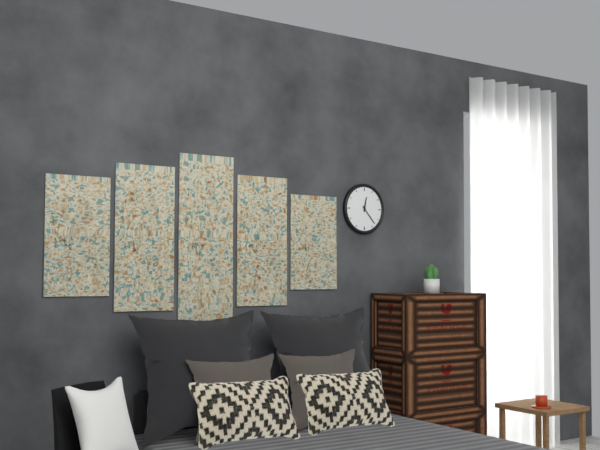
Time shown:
12,23
